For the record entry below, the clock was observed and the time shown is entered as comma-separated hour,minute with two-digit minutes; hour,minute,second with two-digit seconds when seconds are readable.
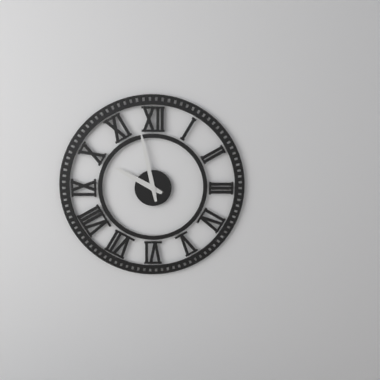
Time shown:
9,58
